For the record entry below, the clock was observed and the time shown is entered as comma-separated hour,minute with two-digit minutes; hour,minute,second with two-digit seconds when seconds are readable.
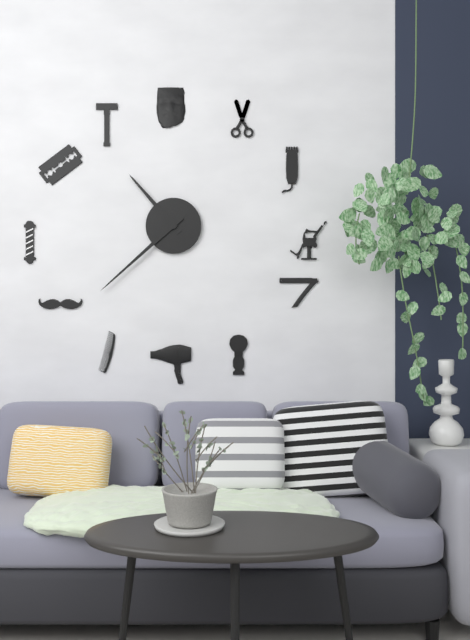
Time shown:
10,38
